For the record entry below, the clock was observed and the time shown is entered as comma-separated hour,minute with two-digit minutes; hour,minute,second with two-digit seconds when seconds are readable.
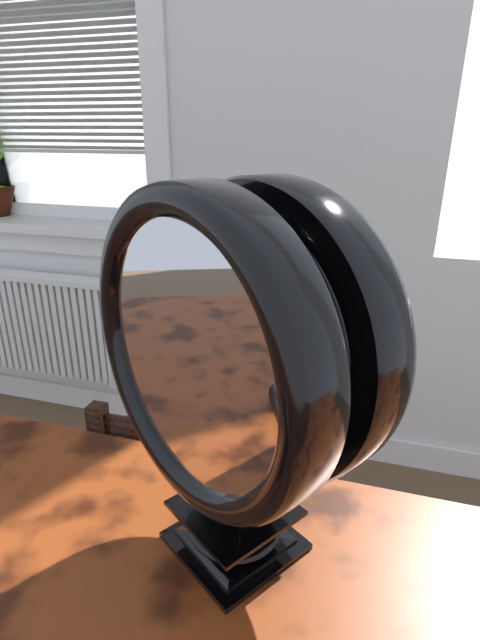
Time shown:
2,46,36
